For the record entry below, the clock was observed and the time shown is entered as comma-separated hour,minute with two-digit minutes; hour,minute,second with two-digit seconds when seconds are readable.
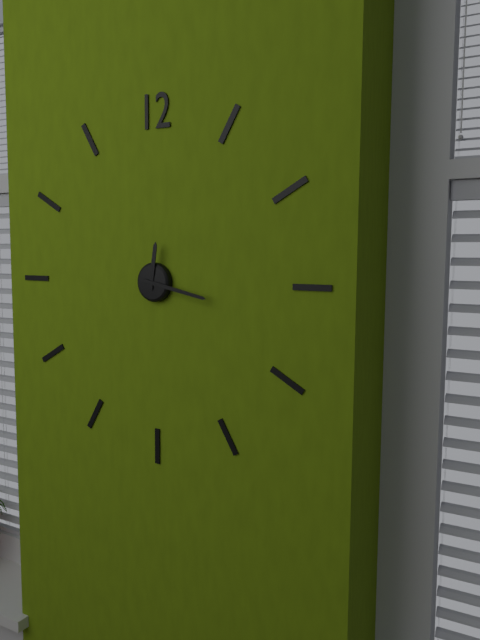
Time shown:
12,17
